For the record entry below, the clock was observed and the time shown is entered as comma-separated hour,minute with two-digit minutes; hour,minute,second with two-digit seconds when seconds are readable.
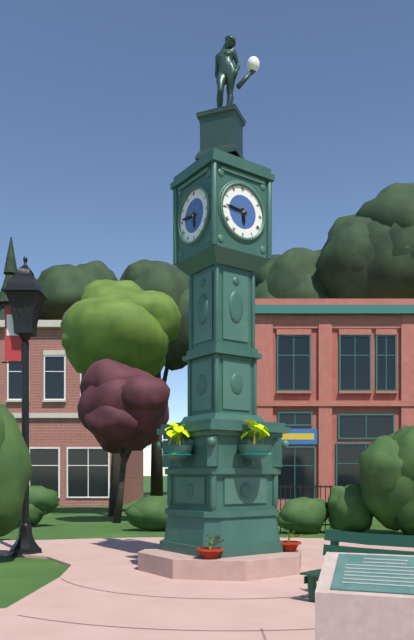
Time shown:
5,46
